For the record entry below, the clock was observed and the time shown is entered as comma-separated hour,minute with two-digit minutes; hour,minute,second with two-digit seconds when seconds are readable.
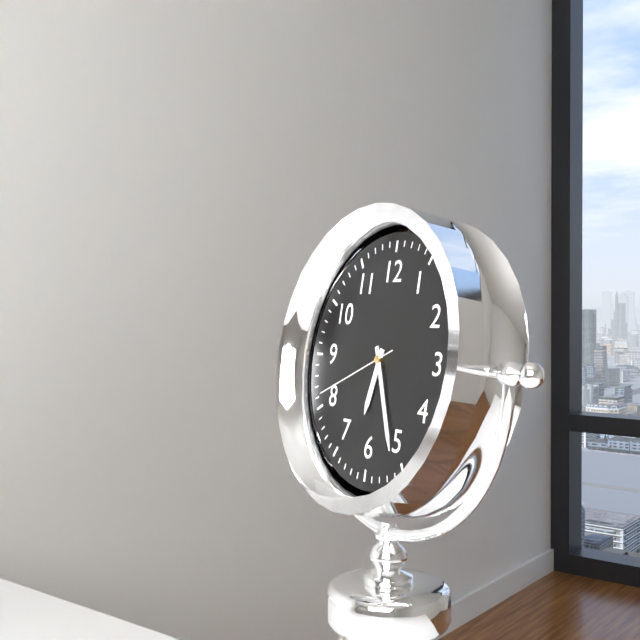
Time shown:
6,26,41
